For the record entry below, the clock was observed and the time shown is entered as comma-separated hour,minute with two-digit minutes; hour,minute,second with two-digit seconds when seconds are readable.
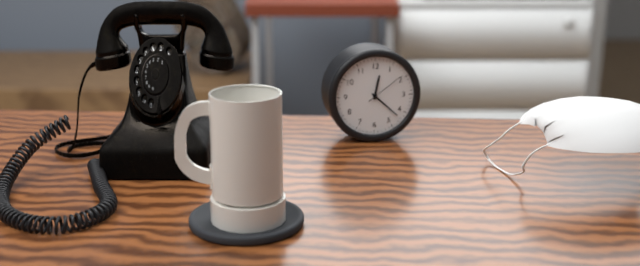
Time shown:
12,22
